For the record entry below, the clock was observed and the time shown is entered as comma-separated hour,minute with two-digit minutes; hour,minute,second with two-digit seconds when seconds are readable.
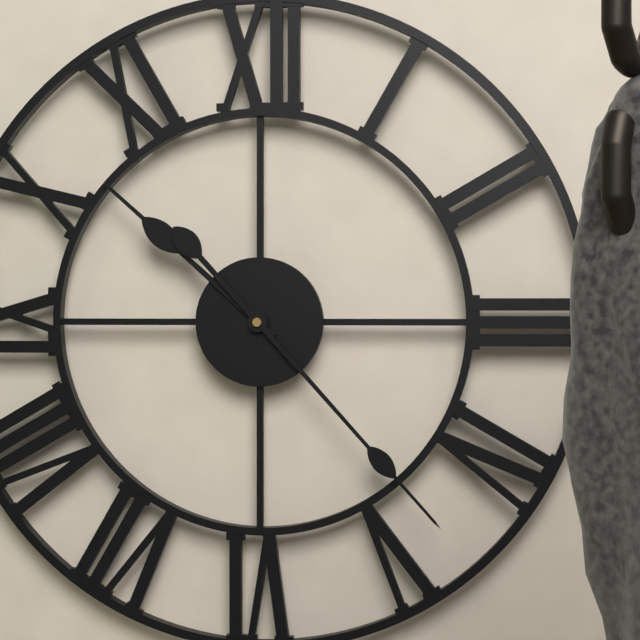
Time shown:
10,23
